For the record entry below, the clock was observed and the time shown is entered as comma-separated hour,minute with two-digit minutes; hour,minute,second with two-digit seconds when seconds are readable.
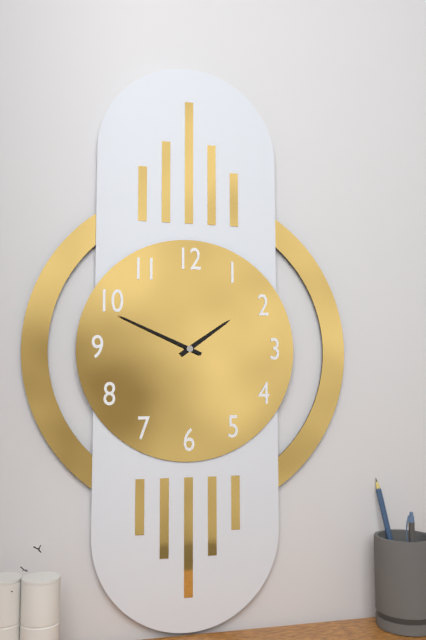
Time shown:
1,49
